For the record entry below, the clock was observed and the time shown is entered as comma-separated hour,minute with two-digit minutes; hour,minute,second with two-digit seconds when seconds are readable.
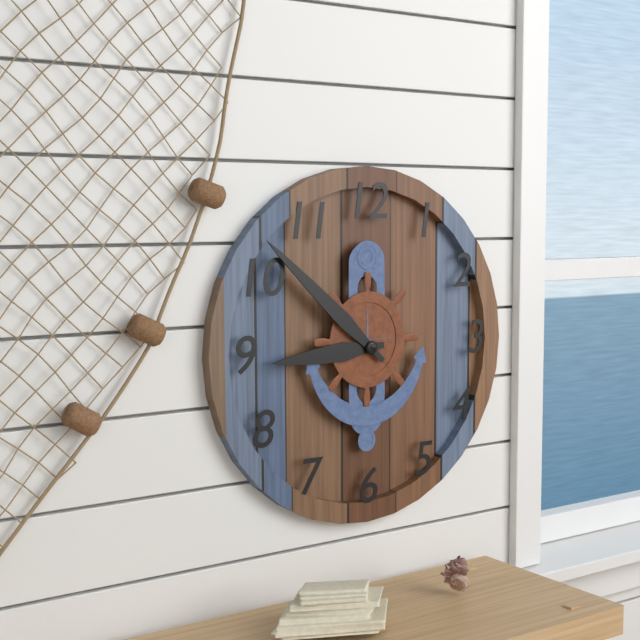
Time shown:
8,52
